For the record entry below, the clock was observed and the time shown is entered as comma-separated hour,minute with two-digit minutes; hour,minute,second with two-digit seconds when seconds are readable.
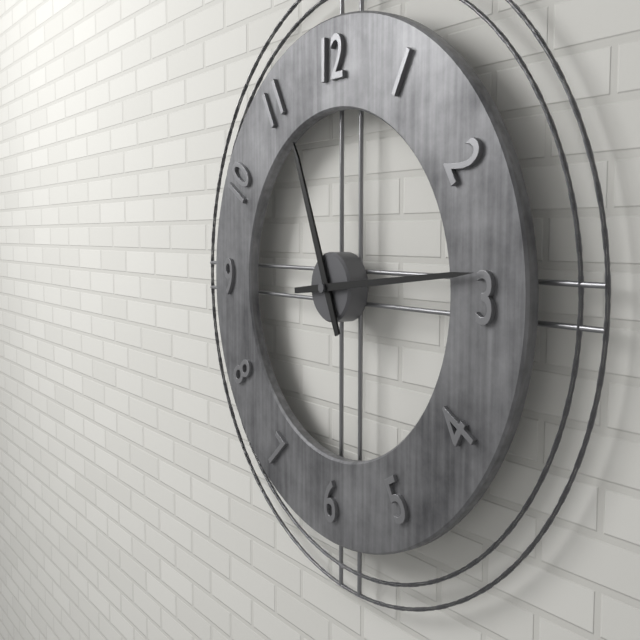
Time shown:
11,14
